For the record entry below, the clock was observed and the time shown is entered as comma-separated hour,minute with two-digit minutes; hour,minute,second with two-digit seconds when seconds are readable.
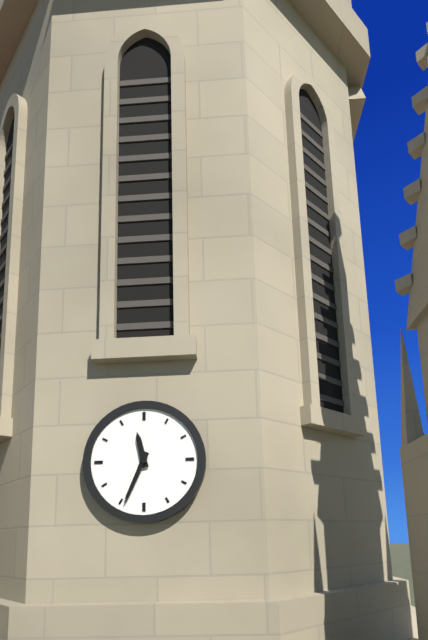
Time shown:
11,34
